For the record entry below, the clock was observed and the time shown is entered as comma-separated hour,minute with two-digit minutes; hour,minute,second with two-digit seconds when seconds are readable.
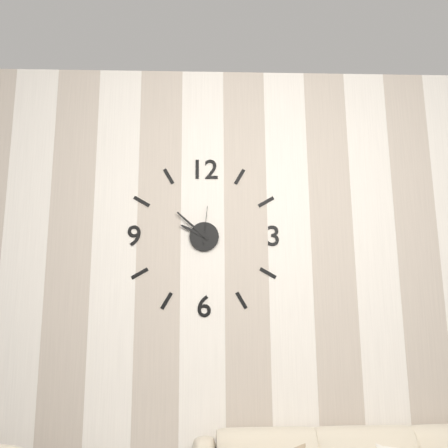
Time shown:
9,52
